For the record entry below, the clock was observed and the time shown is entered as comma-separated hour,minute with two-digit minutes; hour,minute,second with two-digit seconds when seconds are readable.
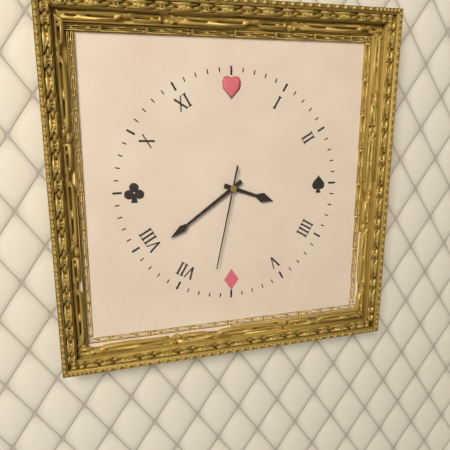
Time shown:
3,39,32
